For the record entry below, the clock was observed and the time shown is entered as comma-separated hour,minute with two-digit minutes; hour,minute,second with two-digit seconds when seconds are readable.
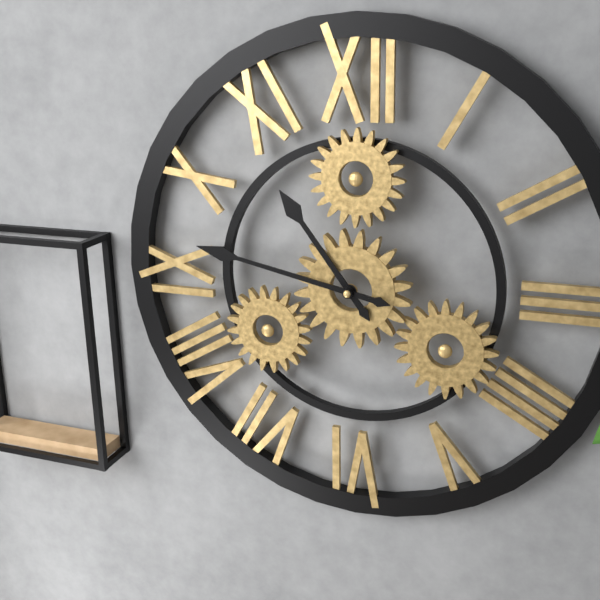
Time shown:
10,47
